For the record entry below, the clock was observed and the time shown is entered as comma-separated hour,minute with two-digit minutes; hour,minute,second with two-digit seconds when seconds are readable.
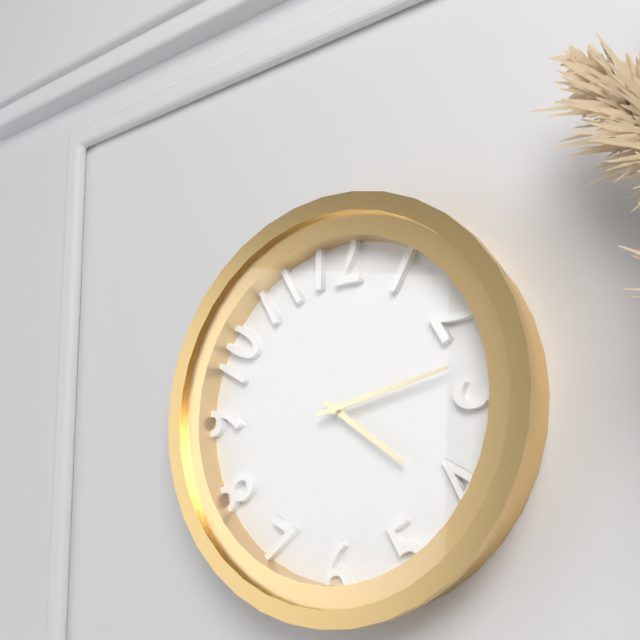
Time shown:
4,13
